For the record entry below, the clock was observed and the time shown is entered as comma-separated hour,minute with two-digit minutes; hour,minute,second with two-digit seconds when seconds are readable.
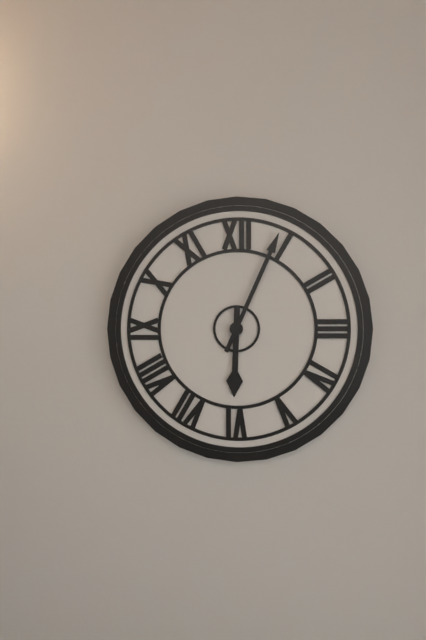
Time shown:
6,04
